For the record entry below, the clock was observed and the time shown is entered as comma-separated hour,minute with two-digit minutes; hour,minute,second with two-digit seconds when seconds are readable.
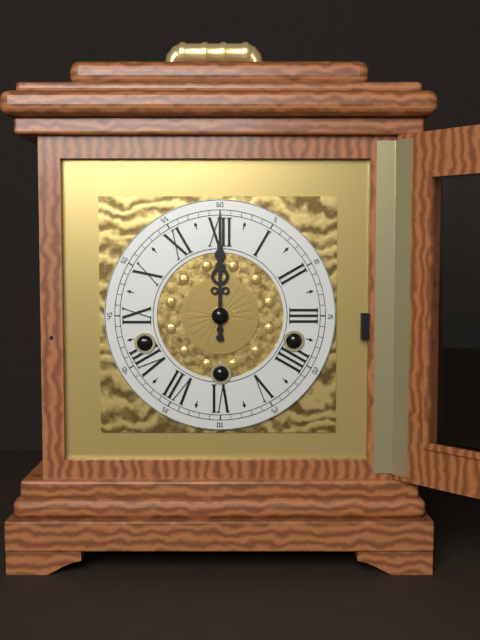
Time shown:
12,00
